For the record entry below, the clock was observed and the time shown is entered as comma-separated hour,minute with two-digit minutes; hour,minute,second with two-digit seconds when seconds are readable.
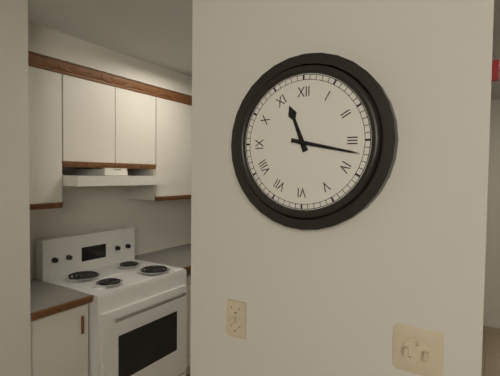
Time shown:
11,17
